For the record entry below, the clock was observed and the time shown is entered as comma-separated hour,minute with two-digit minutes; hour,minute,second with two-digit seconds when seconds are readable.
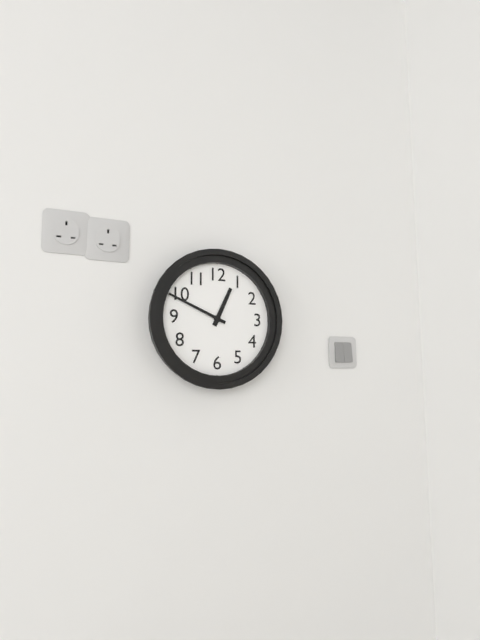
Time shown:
12,49
